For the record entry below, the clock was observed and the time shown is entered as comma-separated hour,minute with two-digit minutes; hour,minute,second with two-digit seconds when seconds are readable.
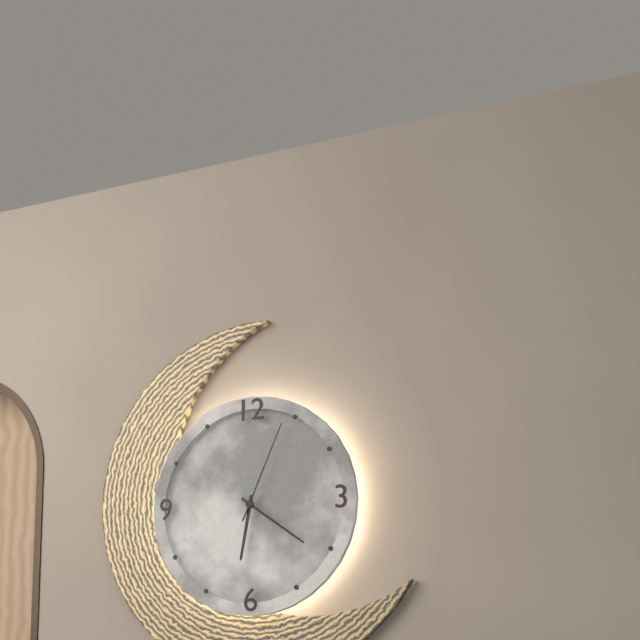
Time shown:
6,21,04
